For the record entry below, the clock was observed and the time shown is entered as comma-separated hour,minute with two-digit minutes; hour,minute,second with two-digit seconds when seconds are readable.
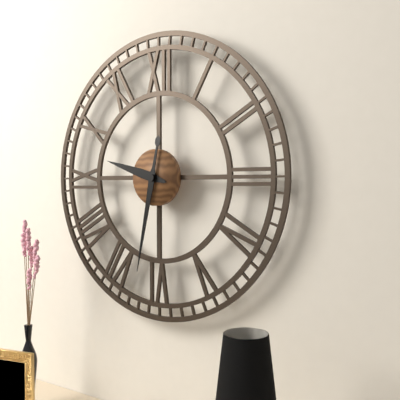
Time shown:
9,32
